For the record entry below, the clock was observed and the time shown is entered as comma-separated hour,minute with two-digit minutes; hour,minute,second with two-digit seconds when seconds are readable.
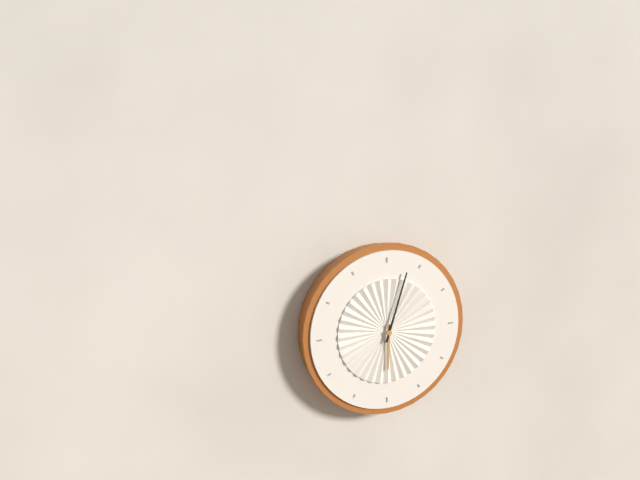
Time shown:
6,03
